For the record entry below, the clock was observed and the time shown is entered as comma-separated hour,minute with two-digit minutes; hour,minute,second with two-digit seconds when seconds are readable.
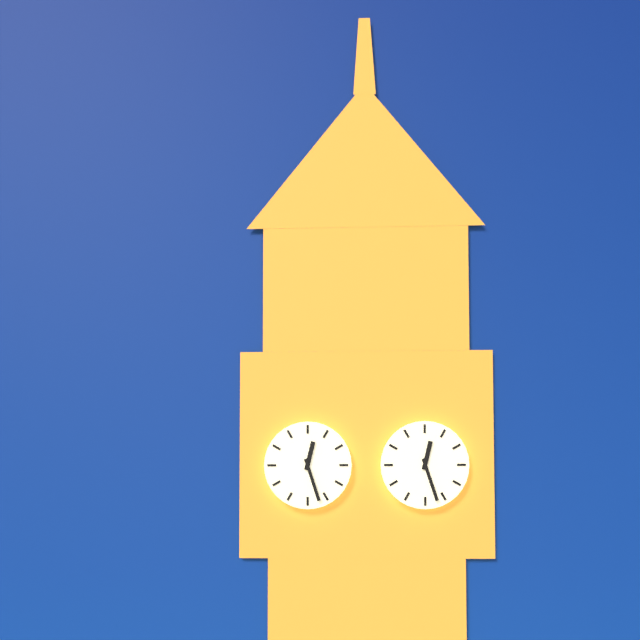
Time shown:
12,27
